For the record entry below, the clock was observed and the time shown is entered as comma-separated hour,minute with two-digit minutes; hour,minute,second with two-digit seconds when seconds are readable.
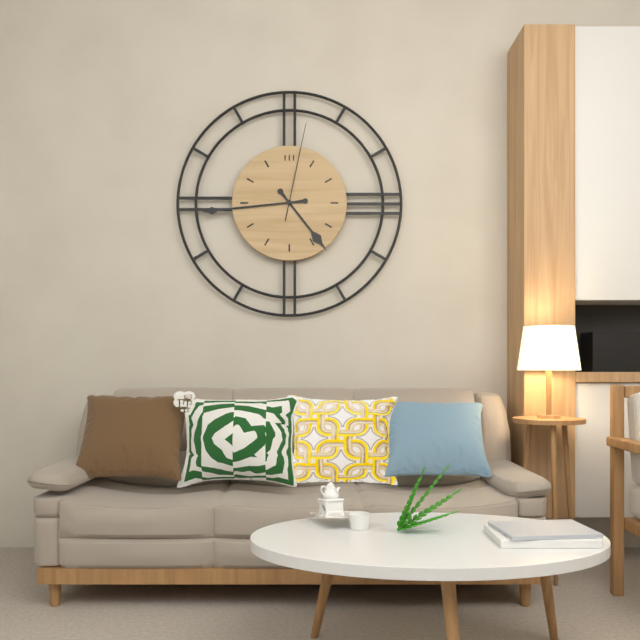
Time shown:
4,44,02
